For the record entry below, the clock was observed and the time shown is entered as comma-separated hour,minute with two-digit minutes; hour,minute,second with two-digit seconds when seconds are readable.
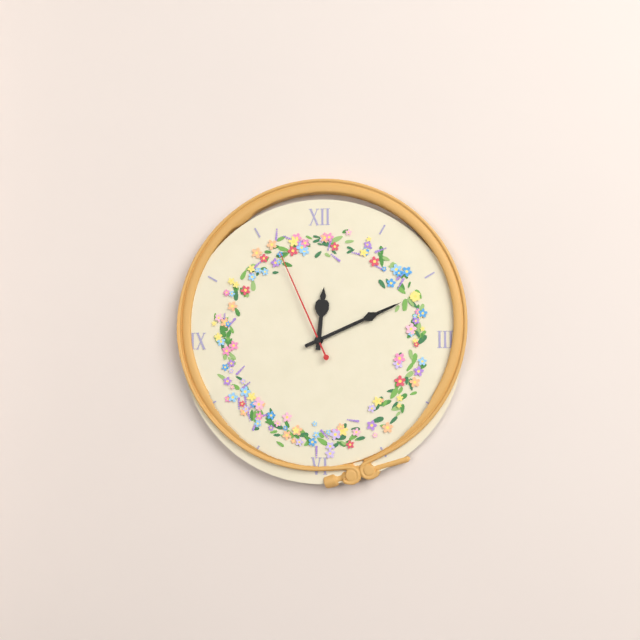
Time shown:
12,11,56
